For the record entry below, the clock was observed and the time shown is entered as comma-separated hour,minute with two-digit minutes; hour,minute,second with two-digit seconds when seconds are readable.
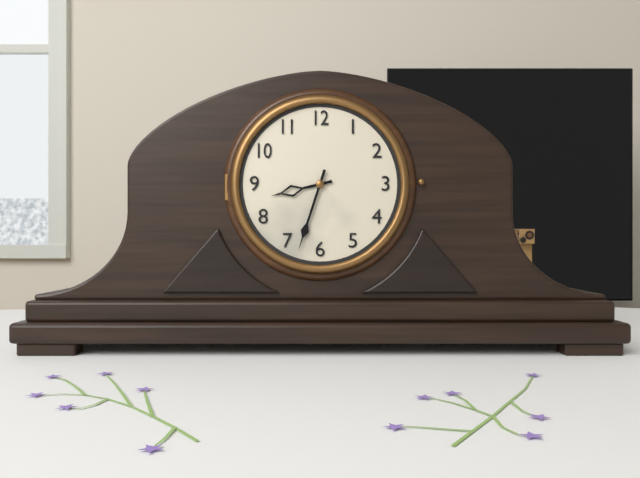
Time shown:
8,33
